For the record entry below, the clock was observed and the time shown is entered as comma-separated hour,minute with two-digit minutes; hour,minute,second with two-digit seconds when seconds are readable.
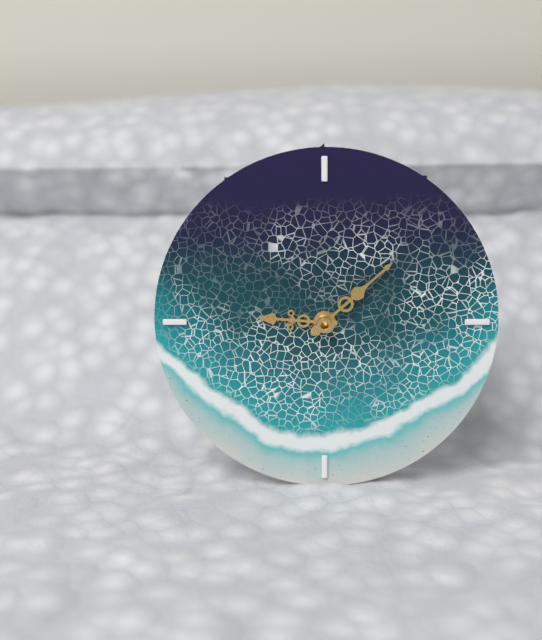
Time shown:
9,08
